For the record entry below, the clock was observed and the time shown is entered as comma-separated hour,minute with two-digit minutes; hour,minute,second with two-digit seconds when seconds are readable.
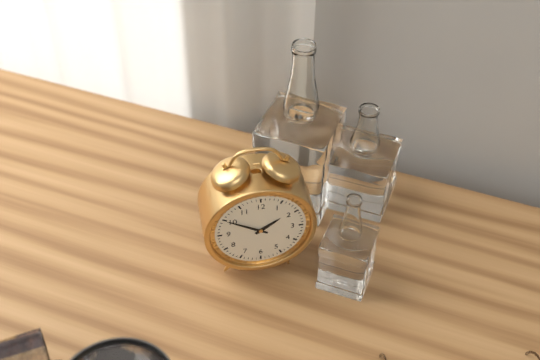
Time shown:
1,50
